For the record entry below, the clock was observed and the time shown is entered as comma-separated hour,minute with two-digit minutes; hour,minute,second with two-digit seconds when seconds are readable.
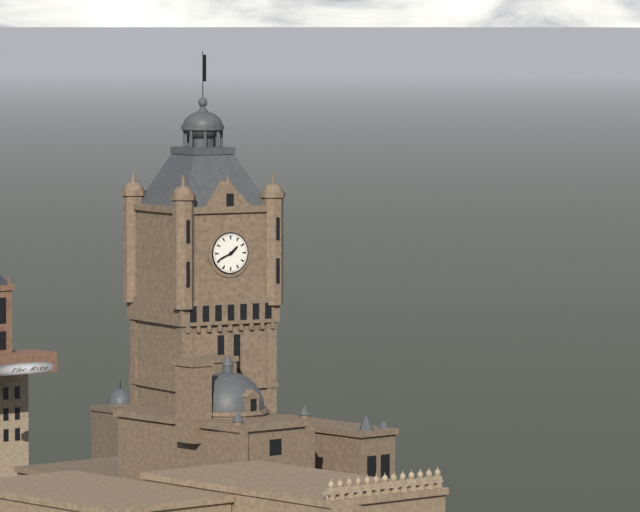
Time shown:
1,41
